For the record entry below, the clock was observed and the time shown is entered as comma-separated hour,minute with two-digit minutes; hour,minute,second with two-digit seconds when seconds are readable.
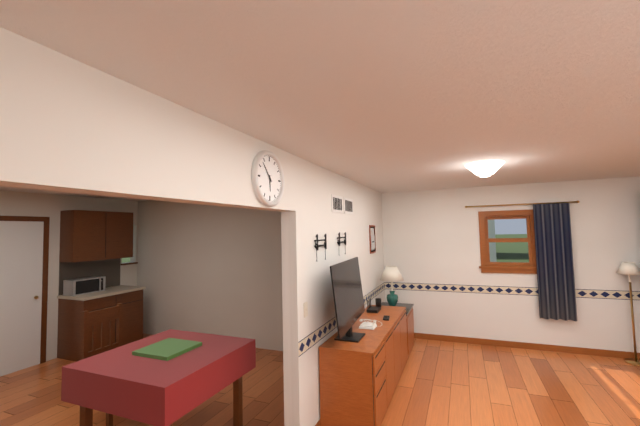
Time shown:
5,53
